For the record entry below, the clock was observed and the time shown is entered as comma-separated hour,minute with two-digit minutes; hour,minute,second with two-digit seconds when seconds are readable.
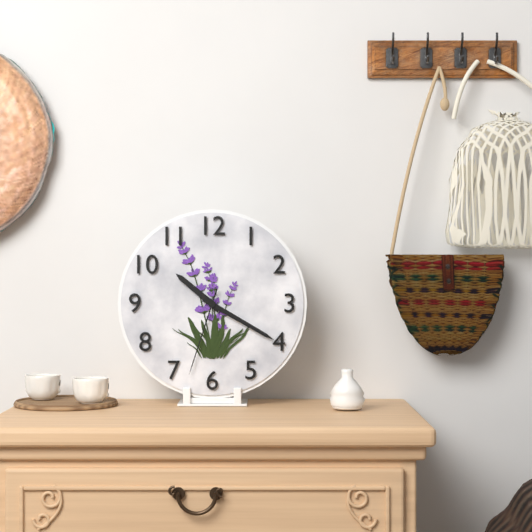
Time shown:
10,20,33
